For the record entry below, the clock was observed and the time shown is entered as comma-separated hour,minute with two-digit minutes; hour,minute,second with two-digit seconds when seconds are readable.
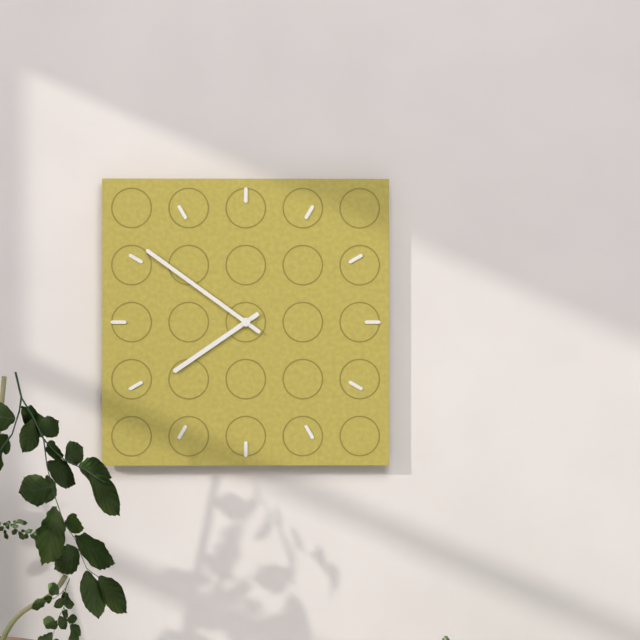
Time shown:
7,51
